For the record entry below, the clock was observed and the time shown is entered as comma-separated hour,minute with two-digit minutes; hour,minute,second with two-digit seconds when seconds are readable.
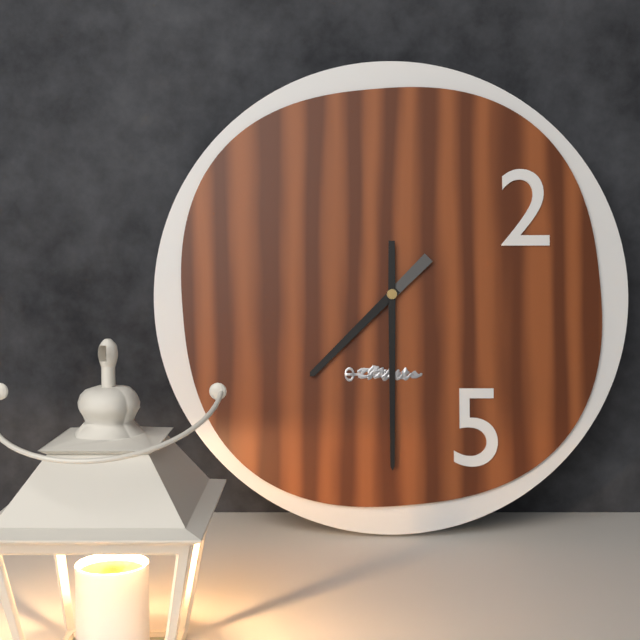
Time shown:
7,30
